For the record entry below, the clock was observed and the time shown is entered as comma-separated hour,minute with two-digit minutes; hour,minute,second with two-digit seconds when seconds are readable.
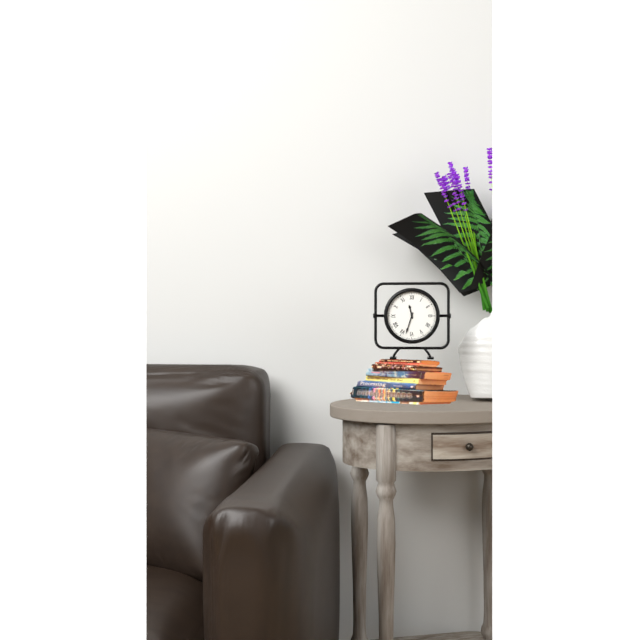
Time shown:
11,33
